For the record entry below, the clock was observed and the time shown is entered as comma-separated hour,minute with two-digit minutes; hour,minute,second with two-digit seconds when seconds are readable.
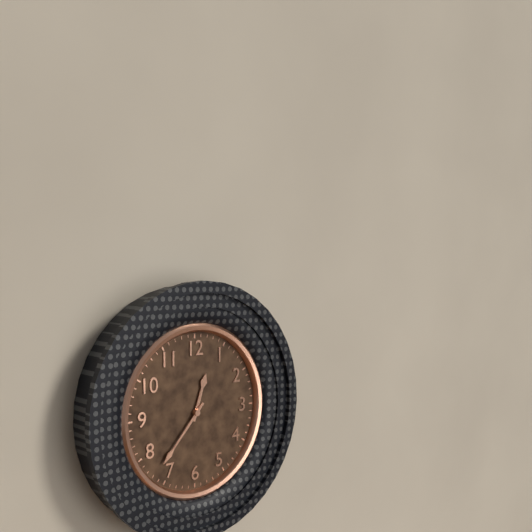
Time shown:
12,37
